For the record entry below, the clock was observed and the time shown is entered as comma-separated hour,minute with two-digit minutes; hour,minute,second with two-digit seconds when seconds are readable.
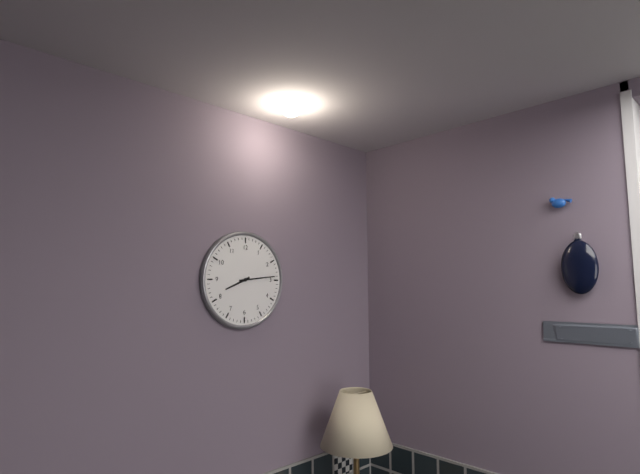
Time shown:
8,14
